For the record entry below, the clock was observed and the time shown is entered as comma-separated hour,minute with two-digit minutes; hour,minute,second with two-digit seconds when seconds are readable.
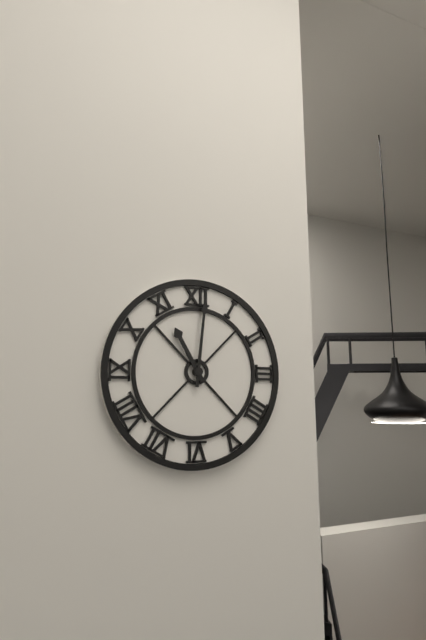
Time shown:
11,01
